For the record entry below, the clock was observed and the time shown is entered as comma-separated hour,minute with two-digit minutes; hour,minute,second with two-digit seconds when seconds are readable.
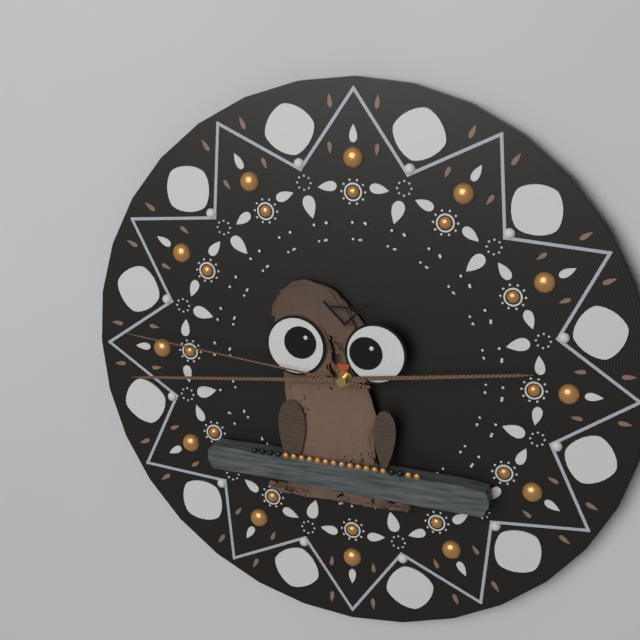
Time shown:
2,44,46
